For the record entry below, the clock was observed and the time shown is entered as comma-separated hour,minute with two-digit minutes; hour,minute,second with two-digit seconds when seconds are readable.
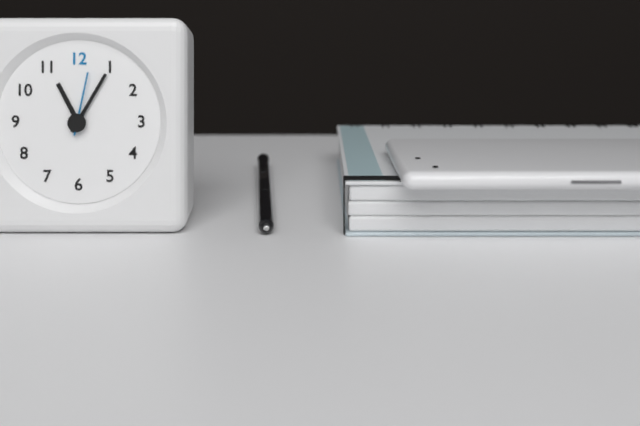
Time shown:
11,05,02
